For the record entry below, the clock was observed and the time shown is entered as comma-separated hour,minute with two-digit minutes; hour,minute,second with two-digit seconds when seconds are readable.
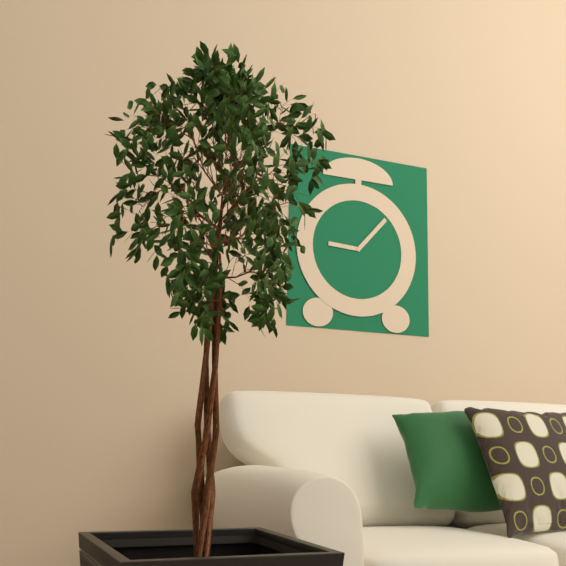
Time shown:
9,07
